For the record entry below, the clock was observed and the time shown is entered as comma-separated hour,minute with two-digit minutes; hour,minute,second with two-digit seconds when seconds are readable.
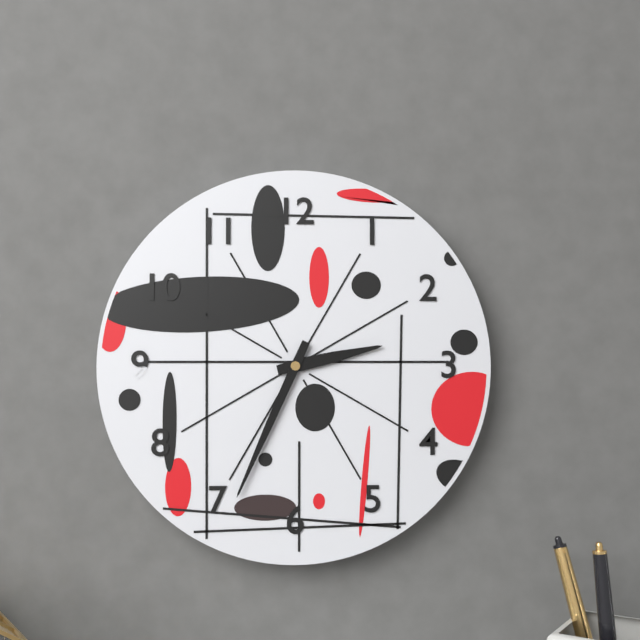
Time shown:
2,34
